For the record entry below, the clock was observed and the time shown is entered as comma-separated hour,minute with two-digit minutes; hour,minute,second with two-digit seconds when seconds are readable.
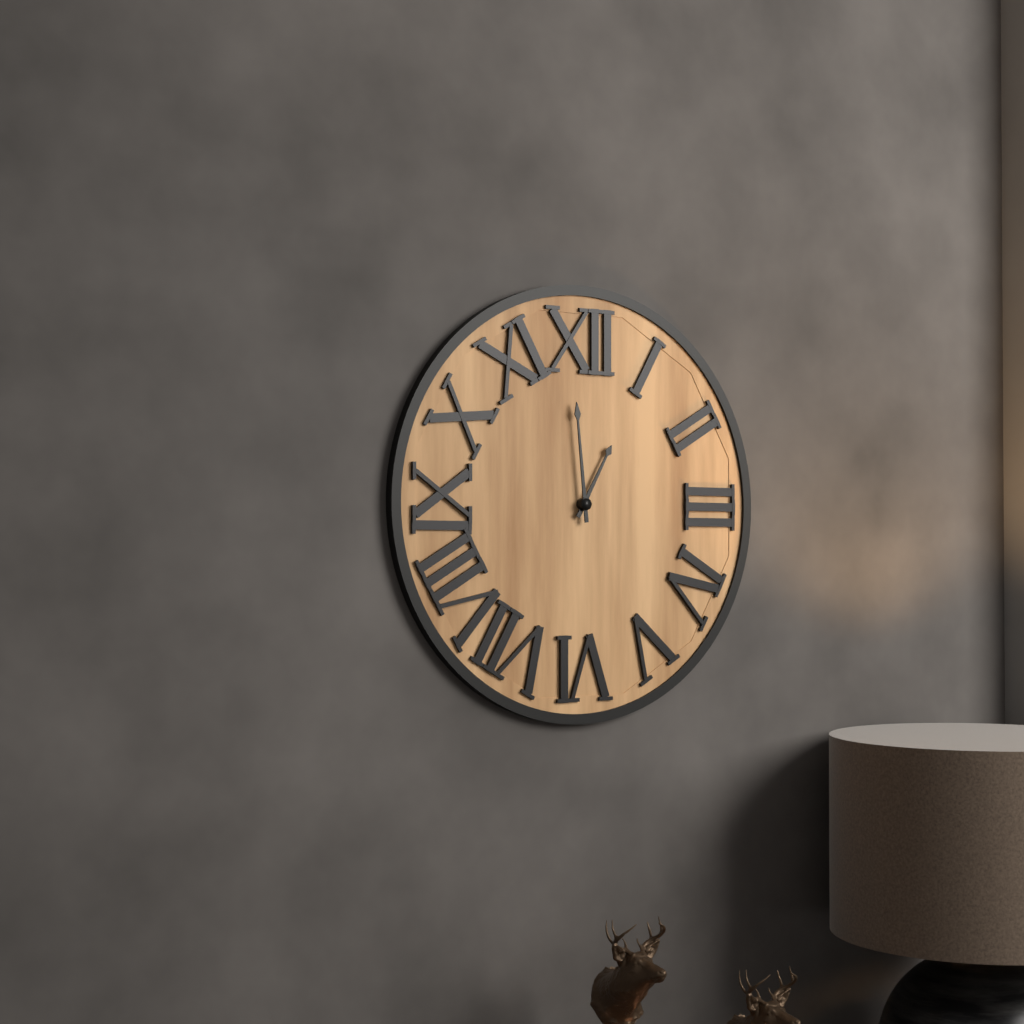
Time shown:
12,59
